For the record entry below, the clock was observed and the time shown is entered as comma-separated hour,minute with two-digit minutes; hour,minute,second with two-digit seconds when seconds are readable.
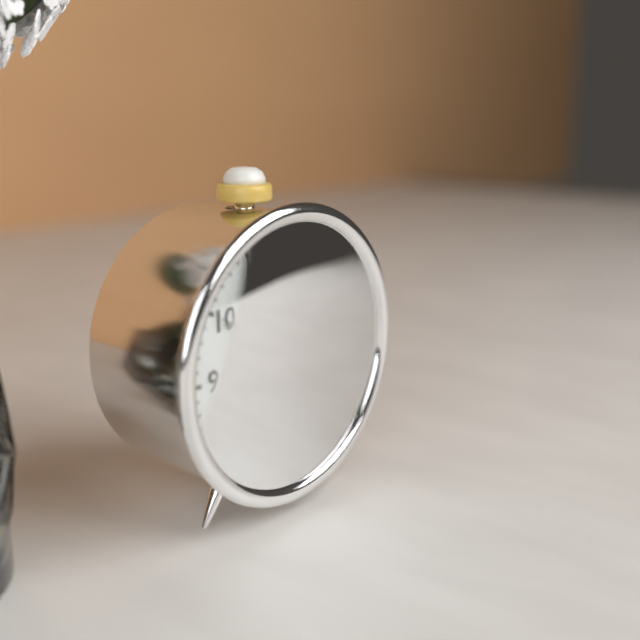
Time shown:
11,50
